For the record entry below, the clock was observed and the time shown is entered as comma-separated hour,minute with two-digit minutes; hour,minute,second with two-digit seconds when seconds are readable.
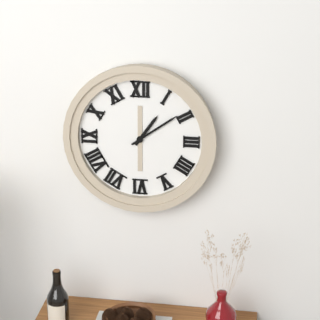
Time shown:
1,09
